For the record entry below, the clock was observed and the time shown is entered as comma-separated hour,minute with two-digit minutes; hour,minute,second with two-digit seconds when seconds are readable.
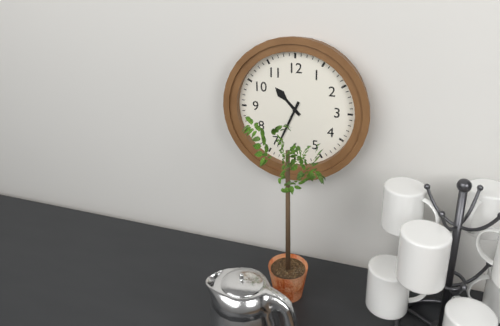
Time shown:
10,34
